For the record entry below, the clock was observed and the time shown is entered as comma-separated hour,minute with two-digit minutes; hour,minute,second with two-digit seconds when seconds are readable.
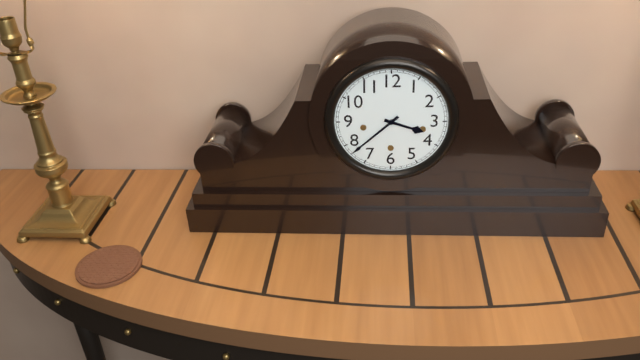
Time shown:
3,38
